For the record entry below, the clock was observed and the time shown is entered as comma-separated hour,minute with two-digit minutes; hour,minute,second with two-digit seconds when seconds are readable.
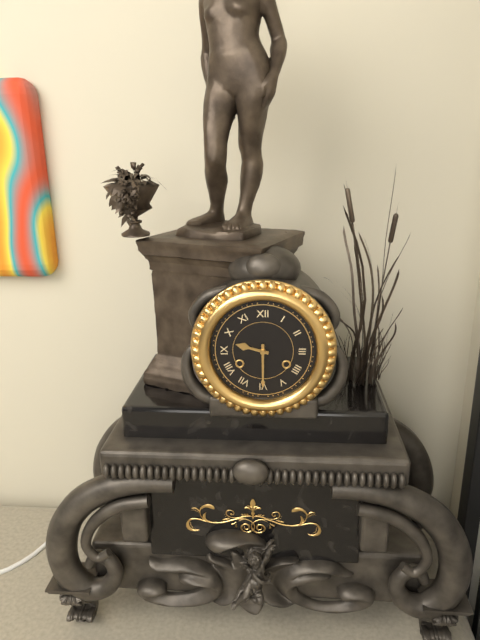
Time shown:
9,30
